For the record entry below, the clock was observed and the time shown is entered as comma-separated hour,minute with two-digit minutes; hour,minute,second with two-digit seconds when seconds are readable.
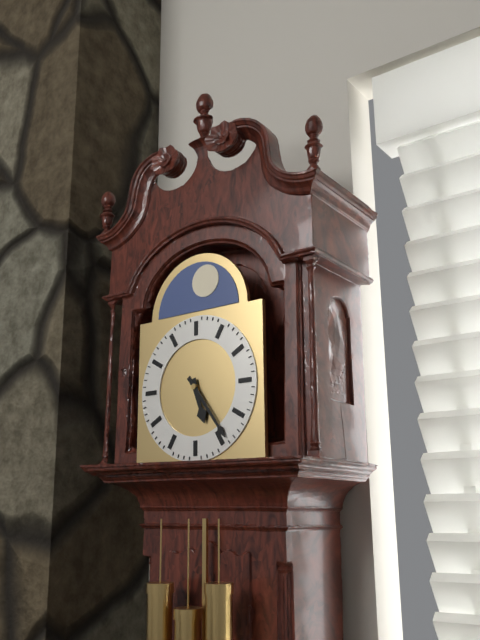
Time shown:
5,24
